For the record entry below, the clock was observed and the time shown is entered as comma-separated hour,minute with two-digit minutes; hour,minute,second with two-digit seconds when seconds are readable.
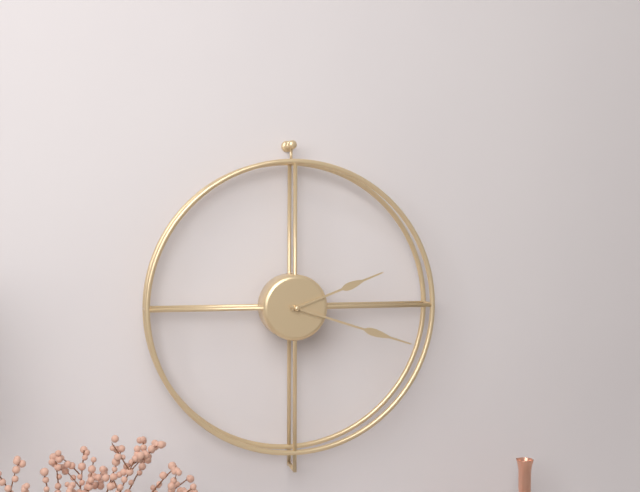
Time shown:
2,18
